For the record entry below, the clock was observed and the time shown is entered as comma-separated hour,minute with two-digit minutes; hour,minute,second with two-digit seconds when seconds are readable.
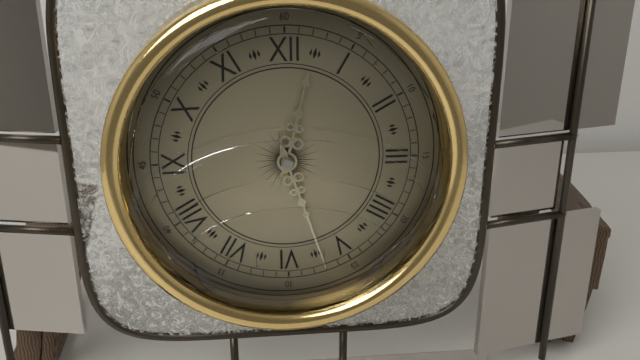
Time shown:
12,27
